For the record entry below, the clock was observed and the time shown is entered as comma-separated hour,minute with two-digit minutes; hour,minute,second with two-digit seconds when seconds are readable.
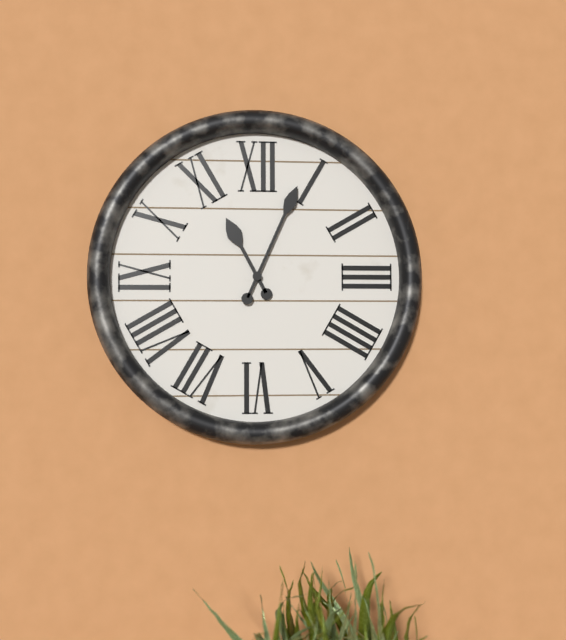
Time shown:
11,04
